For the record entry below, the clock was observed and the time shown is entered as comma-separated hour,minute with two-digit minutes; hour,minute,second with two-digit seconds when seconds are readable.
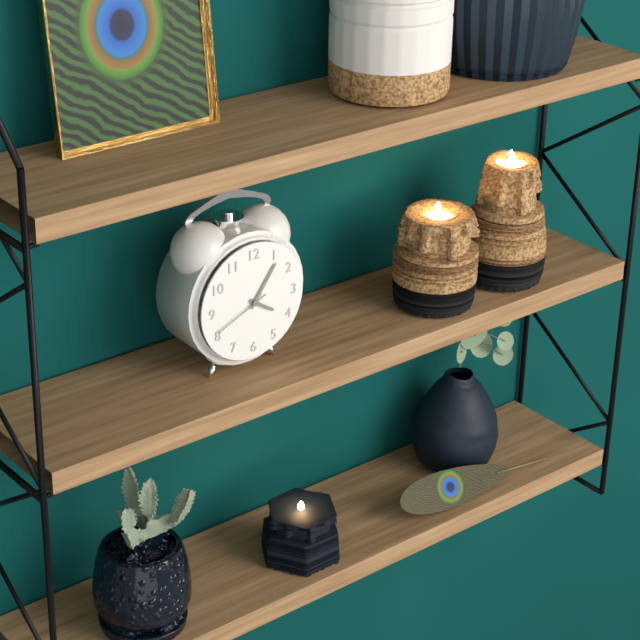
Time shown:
4,06,41
